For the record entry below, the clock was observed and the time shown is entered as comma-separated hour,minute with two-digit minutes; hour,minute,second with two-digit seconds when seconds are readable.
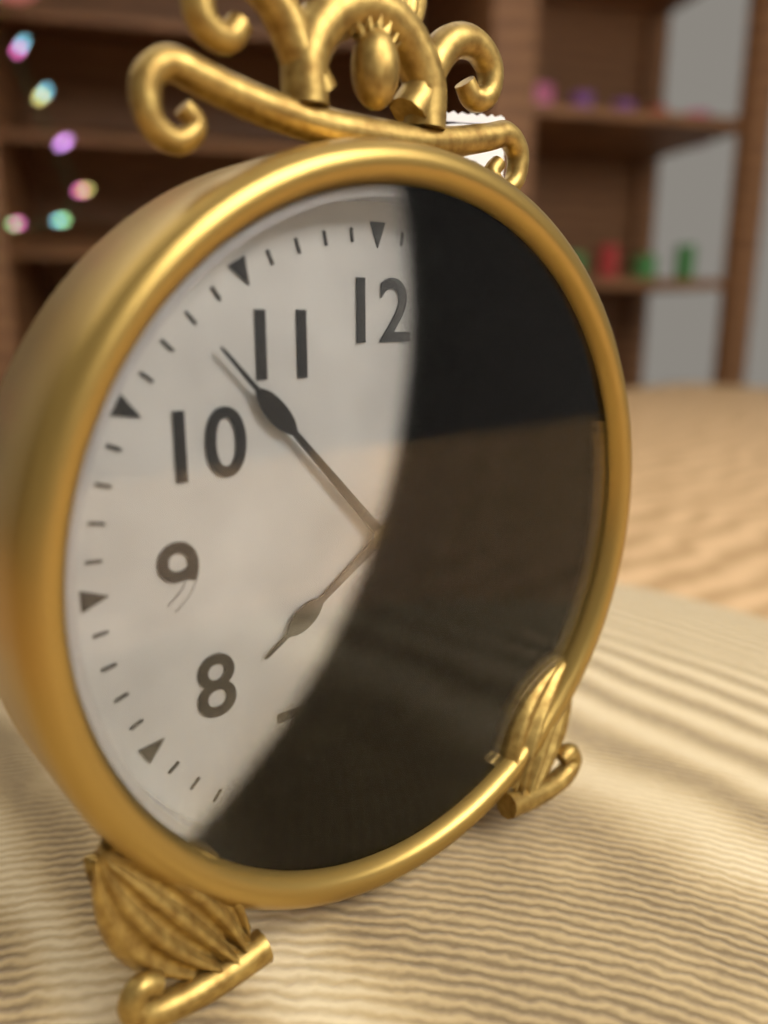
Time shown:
7,53
